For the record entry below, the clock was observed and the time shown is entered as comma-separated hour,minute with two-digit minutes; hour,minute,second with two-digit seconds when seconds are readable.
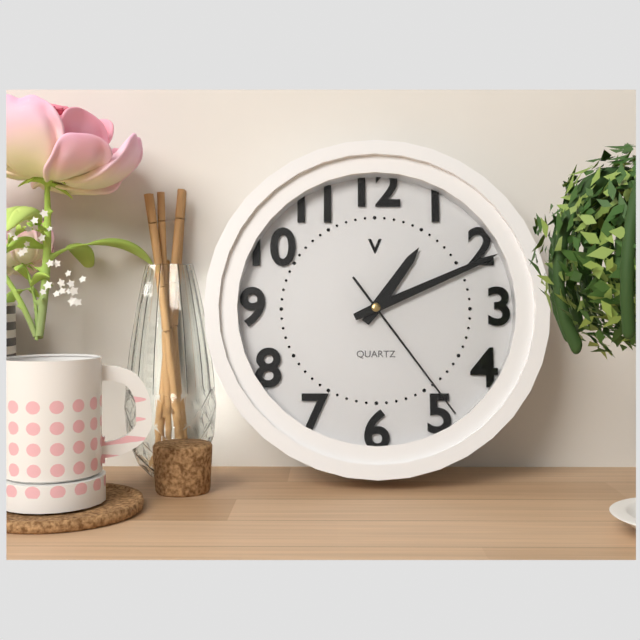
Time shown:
1,11,24
